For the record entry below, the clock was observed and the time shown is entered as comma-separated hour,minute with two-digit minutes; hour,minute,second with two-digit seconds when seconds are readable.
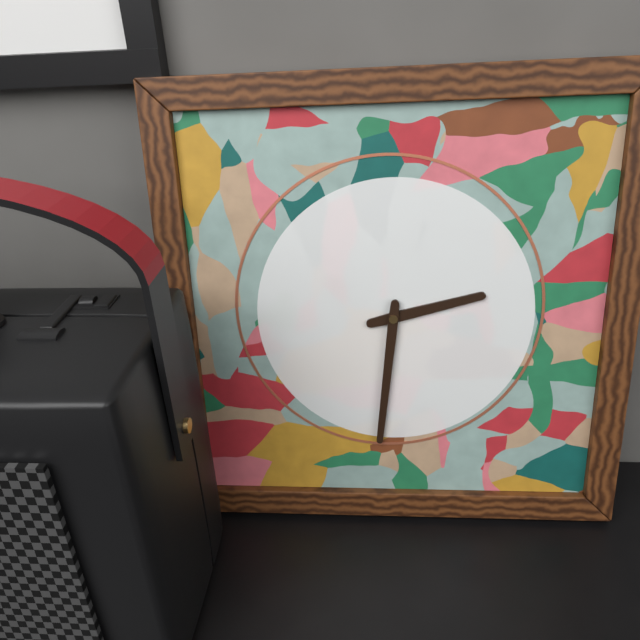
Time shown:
2,31
